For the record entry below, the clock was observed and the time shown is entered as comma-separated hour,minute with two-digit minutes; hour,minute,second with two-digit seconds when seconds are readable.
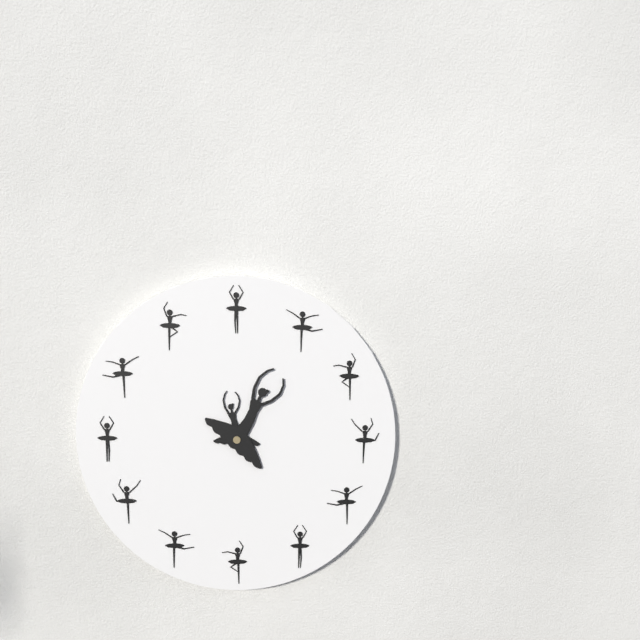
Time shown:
12,07
